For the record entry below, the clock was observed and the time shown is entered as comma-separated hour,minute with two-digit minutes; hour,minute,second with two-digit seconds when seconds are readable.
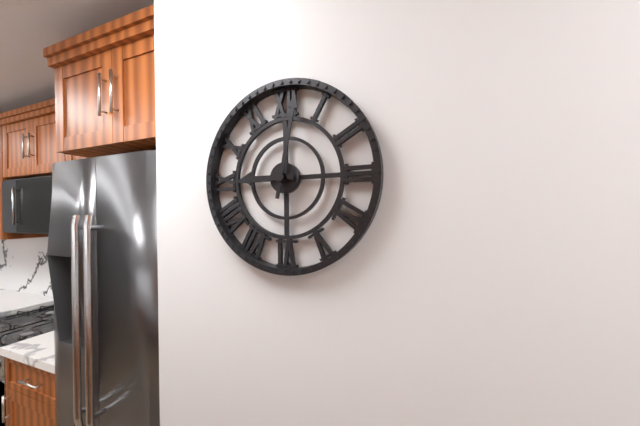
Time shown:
9,02
